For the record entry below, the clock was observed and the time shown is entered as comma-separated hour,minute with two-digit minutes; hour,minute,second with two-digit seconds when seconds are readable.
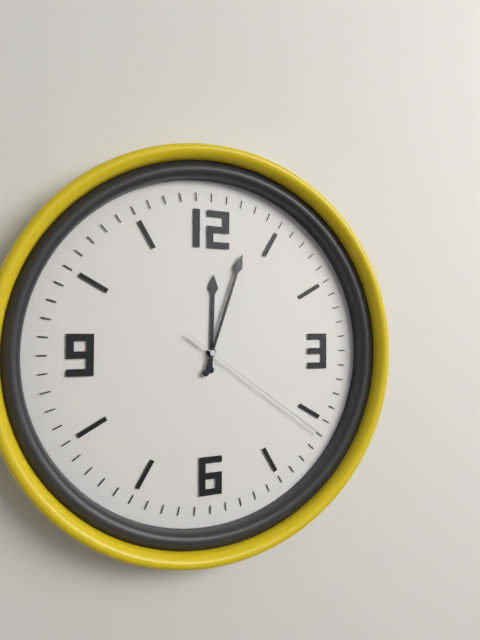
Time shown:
12,03,21
